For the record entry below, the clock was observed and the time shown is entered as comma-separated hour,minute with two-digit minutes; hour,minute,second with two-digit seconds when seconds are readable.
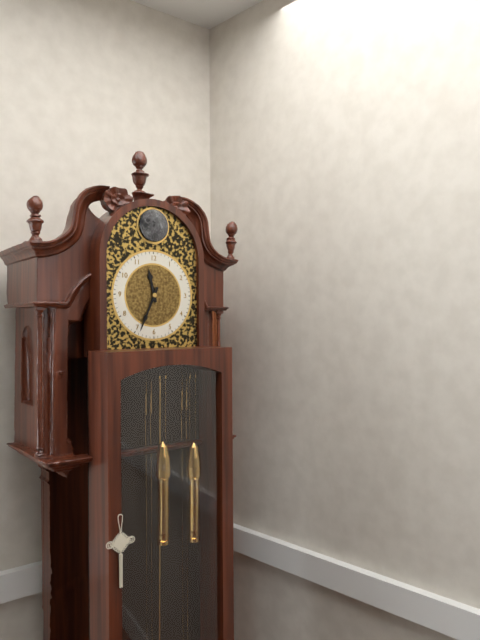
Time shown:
11,34
